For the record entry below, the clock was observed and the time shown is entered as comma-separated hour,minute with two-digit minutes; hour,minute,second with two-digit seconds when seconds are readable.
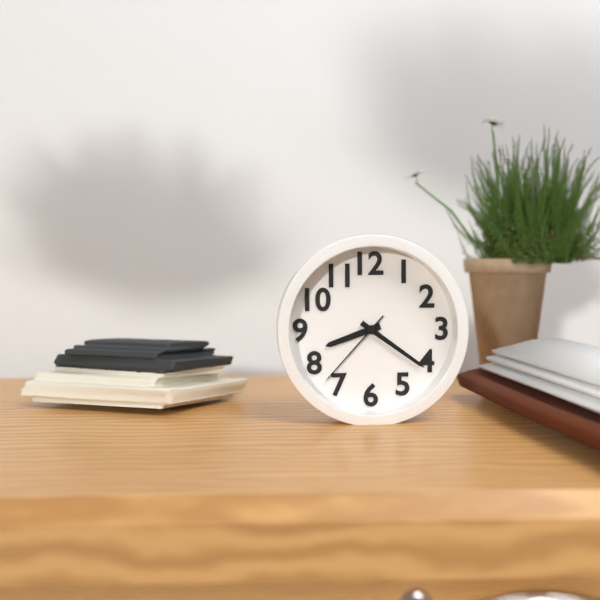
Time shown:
8,21,37
